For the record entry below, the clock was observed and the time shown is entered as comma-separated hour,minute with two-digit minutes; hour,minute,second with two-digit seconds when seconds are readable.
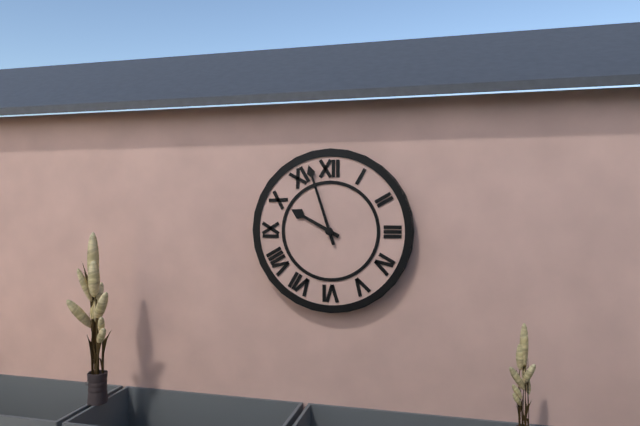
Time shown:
9,57
